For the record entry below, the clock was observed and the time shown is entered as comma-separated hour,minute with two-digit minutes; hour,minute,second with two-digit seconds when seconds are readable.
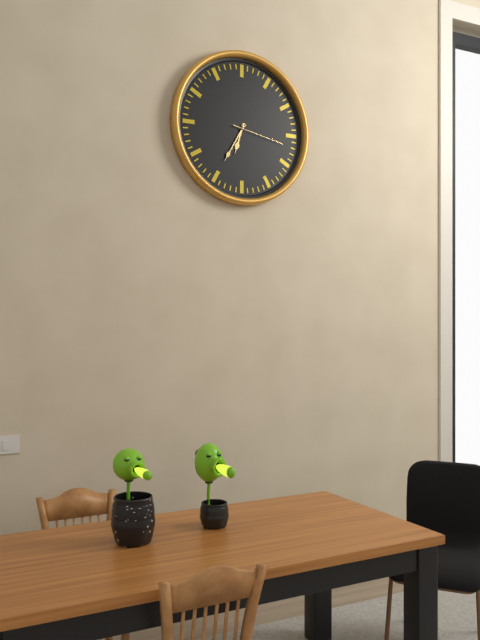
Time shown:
6,35,17
